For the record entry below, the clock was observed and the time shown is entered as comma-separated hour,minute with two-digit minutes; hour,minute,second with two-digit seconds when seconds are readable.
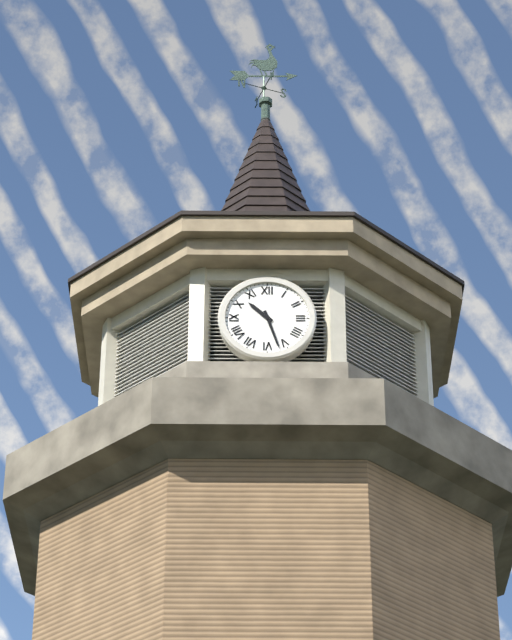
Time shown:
10,27
